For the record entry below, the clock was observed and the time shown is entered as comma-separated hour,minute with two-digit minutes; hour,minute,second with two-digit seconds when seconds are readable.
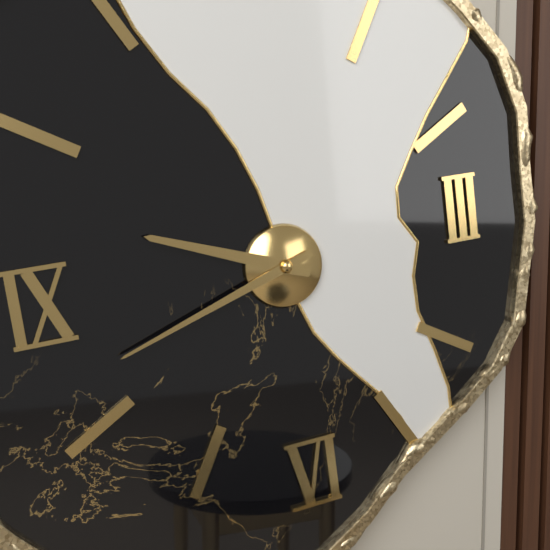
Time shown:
9,42
